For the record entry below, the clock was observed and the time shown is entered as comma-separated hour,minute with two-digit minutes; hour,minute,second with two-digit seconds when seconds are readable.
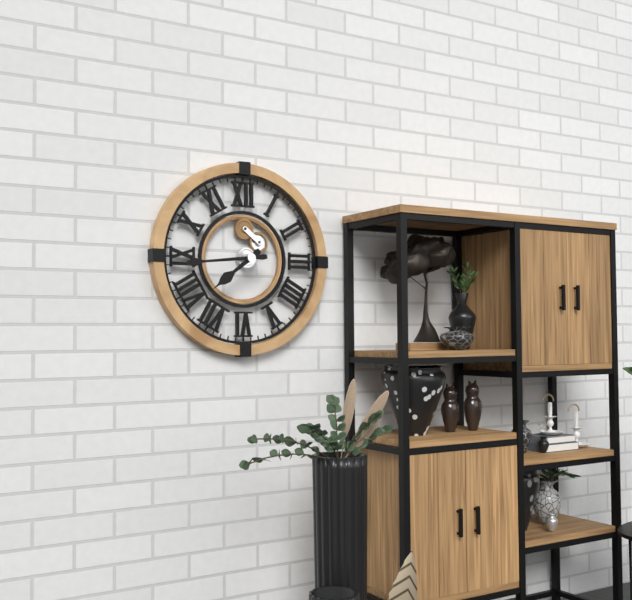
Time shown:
7,44
